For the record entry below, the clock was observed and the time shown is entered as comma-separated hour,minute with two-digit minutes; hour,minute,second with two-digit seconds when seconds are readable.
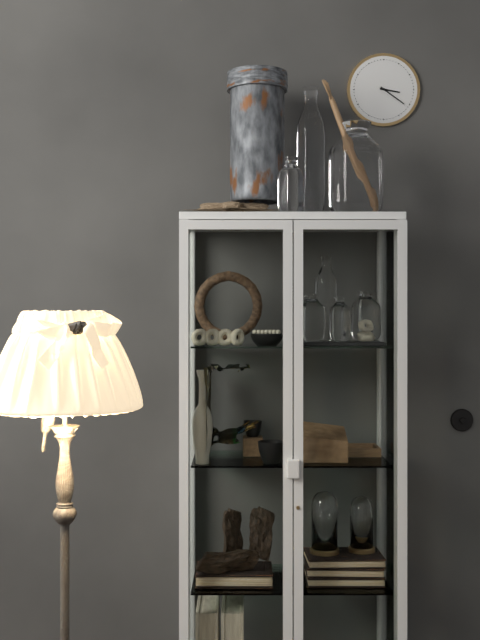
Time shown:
3,21
